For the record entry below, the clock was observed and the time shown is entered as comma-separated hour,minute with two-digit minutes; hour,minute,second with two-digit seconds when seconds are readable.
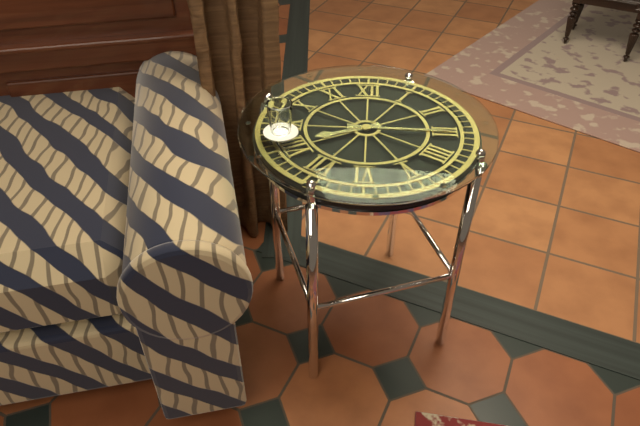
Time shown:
8,15
